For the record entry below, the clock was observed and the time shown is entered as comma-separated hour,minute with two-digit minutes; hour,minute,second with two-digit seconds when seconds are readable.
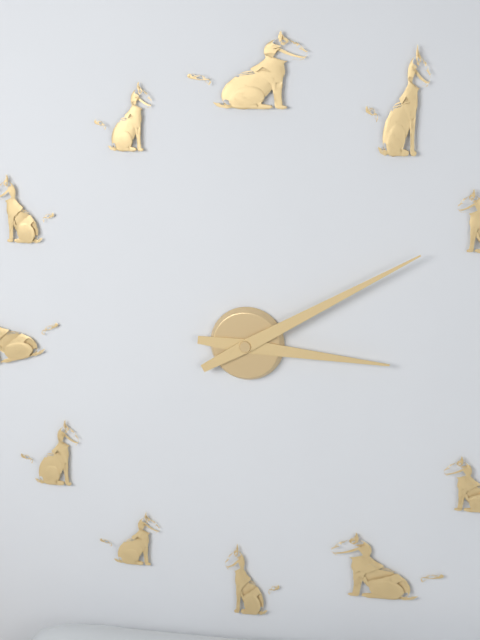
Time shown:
3,10
